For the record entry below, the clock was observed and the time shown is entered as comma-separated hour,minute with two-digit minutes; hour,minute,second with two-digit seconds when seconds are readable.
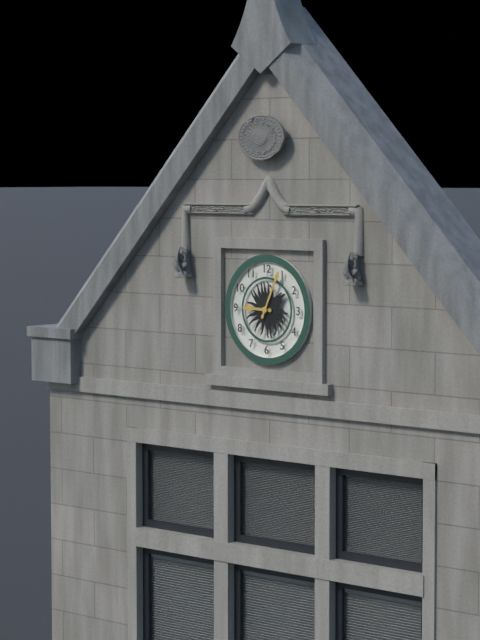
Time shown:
9,04
